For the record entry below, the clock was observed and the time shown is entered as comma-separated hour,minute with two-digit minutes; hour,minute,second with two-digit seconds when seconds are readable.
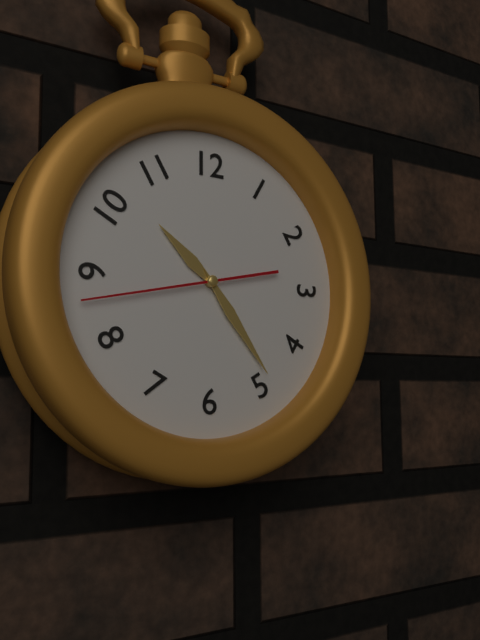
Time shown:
10,24,43
